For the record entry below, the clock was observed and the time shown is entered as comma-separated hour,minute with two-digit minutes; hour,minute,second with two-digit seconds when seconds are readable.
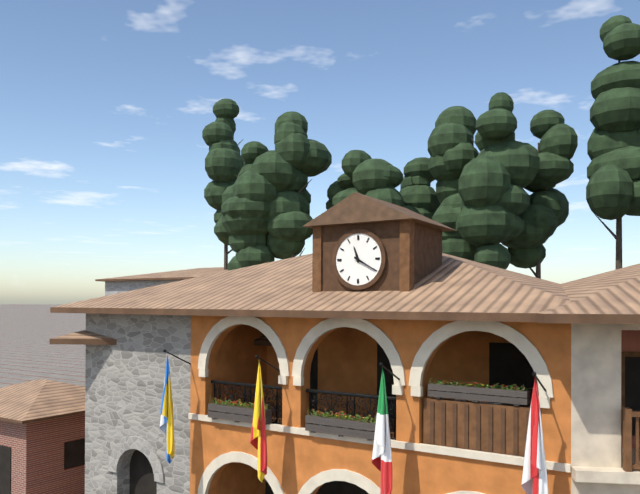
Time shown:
11,20
